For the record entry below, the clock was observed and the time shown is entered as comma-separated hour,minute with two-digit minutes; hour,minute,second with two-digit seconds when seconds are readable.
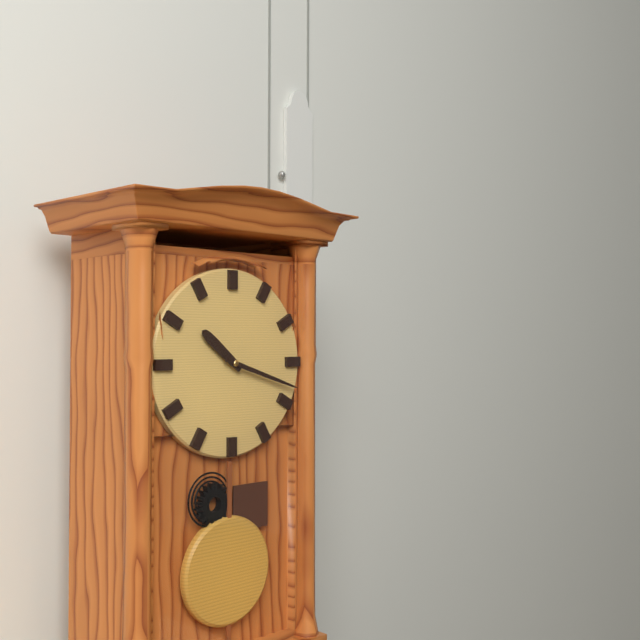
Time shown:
10,18
